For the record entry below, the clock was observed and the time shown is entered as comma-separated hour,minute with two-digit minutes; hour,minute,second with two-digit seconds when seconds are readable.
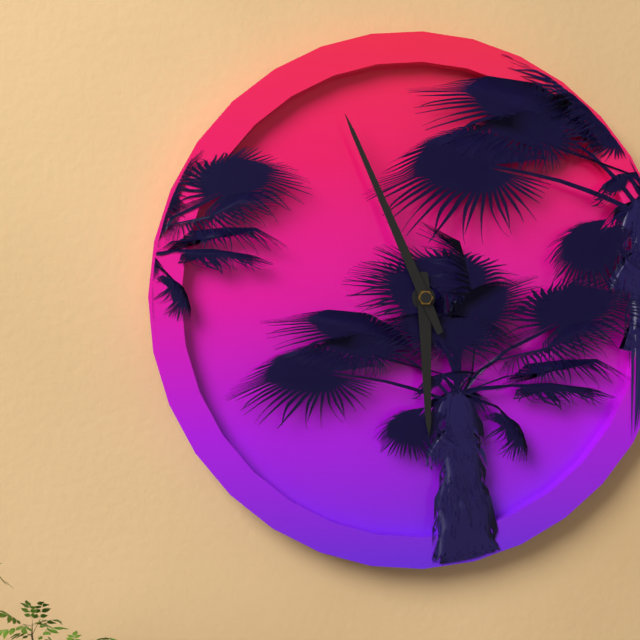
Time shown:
5,56
